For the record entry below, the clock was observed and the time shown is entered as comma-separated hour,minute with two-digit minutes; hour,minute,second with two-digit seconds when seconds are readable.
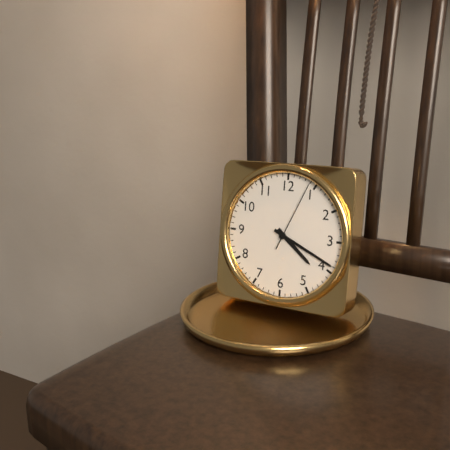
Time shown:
4,19,04
